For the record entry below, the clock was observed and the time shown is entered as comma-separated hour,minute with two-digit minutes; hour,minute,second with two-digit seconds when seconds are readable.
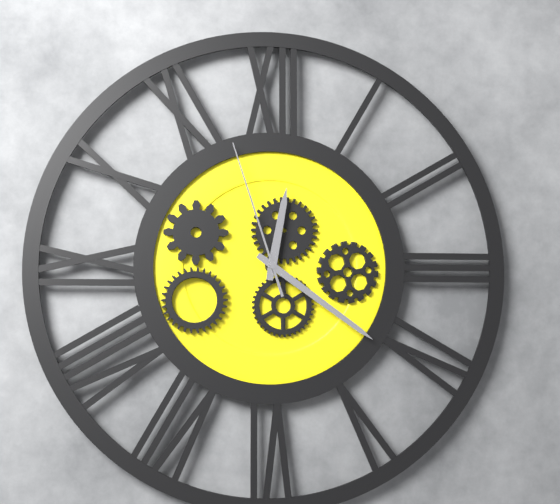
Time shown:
12,21,57
